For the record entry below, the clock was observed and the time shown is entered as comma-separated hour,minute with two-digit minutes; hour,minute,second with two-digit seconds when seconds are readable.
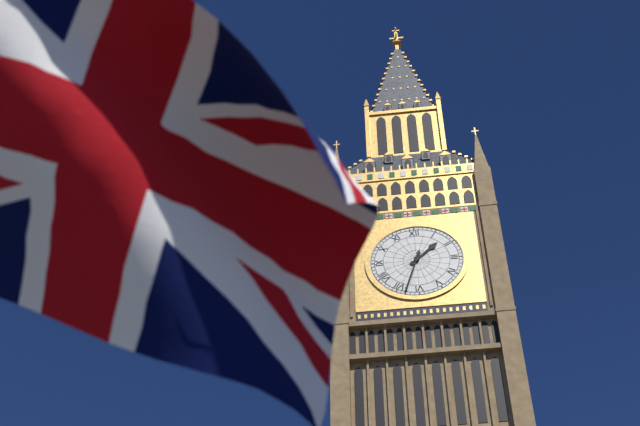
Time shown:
1,33
